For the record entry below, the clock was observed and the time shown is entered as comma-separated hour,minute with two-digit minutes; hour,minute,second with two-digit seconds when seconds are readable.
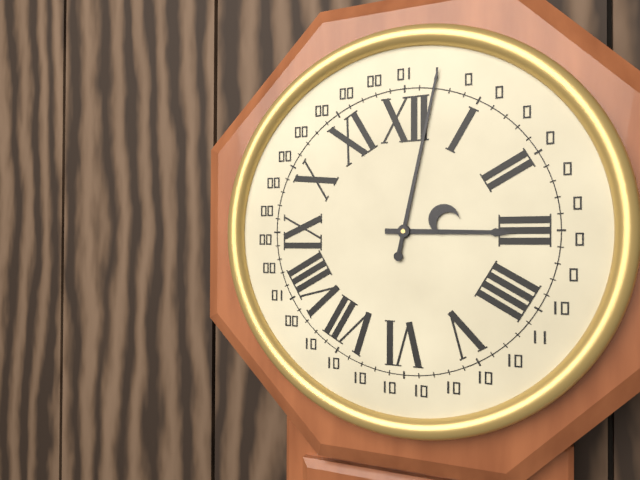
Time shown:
3,02
